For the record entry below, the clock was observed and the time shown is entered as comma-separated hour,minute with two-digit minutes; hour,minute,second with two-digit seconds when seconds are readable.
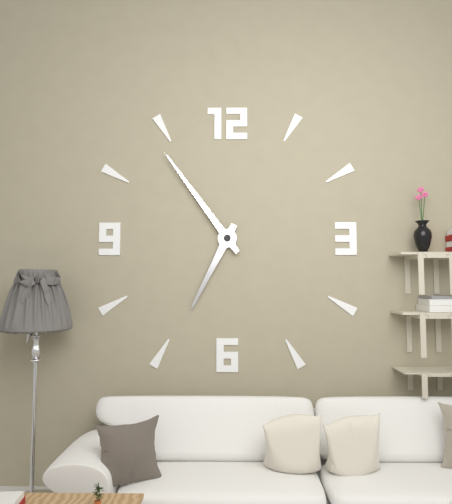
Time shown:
6,54
